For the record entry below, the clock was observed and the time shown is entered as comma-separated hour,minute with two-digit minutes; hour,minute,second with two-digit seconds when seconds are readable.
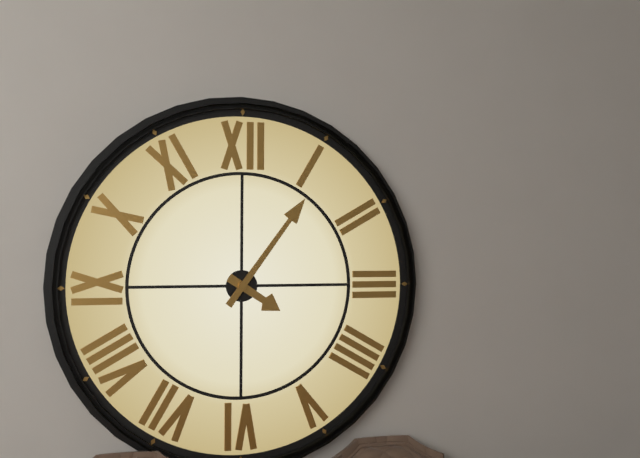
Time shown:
4,06
